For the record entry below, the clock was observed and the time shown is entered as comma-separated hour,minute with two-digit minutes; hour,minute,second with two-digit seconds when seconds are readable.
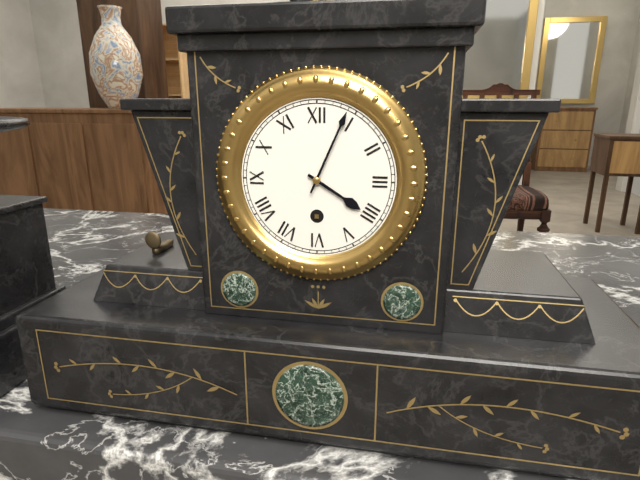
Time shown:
4,04
